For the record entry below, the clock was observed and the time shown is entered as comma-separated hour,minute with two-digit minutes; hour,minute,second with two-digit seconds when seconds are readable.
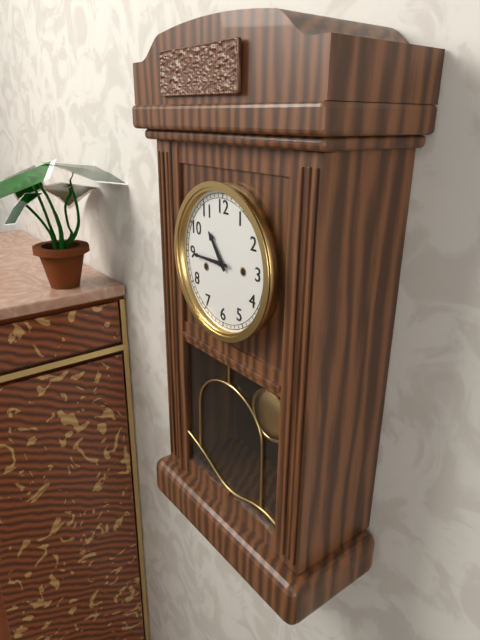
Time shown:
10,45
